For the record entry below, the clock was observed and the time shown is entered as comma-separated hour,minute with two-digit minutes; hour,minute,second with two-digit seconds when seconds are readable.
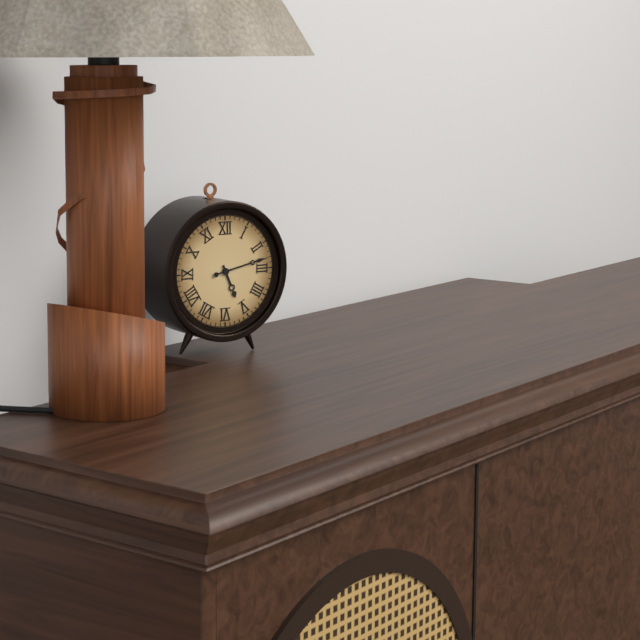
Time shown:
5,13,13
